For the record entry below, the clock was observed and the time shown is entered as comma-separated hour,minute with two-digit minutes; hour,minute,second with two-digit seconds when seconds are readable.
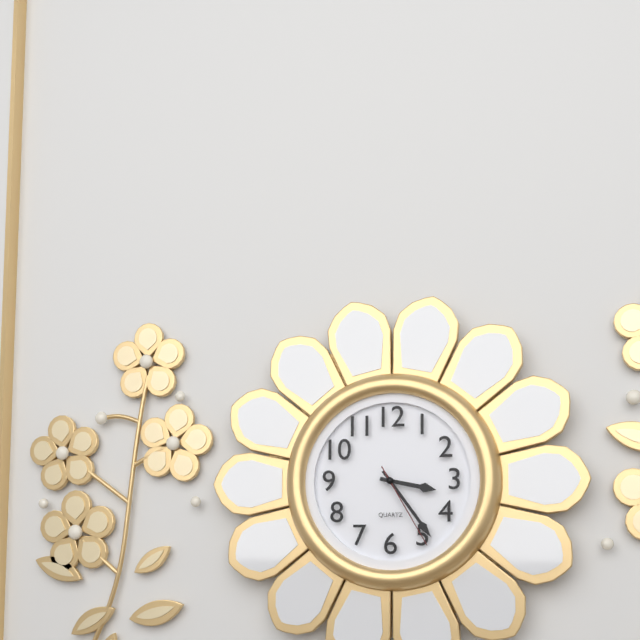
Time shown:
3,24,25
